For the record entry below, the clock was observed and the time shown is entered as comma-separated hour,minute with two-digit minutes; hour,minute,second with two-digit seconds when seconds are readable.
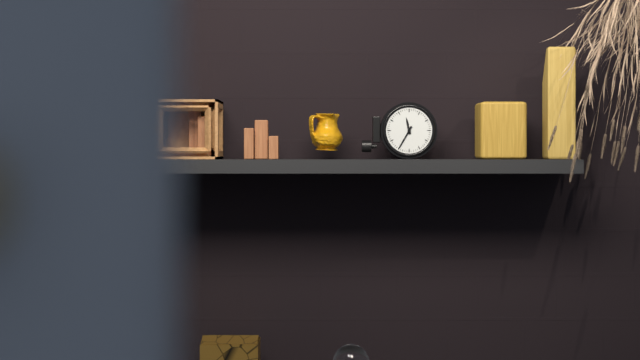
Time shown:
11,35
